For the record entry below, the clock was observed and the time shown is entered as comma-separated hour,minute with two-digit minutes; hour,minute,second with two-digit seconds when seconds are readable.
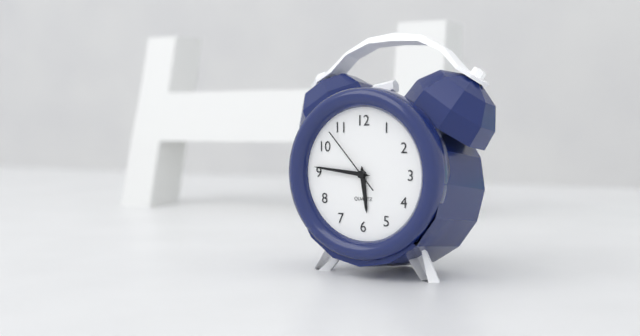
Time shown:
5,46,53
